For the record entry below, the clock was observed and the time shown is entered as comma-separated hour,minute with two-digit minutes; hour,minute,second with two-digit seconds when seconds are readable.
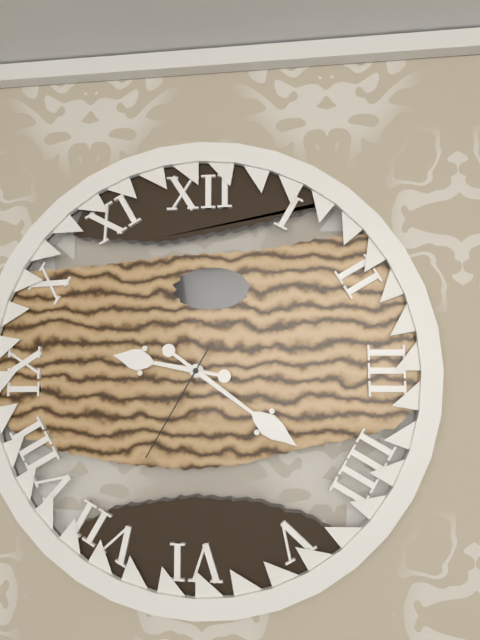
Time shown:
9,21,35
